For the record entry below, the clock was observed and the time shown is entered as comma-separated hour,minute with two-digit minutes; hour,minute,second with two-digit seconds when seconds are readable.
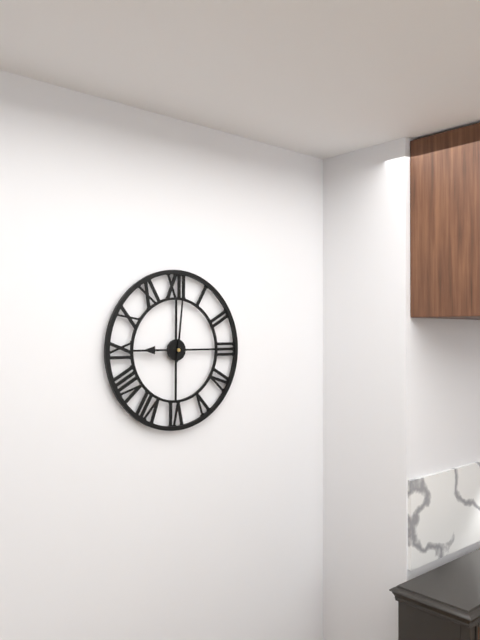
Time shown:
9,01
